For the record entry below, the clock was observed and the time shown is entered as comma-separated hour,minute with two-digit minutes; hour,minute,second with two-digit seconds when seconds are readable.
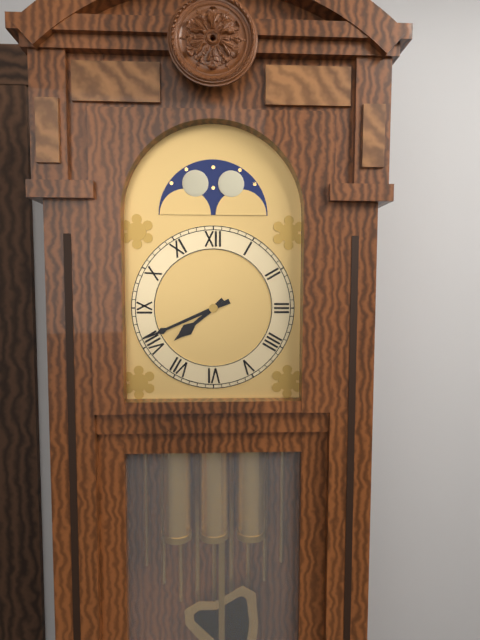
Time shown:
7,41
